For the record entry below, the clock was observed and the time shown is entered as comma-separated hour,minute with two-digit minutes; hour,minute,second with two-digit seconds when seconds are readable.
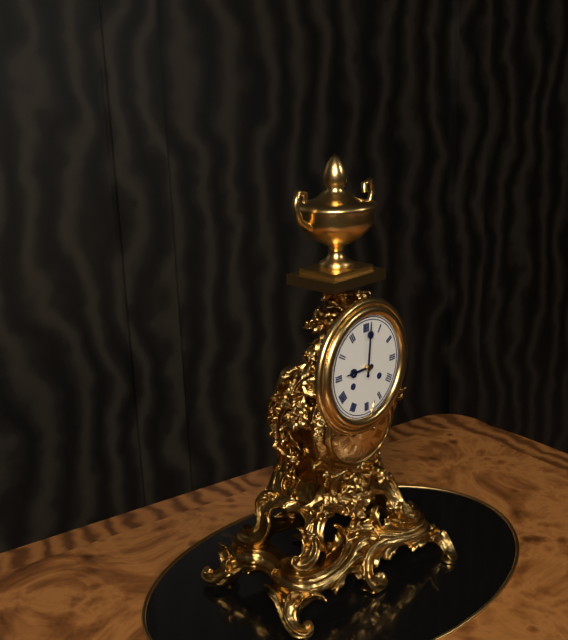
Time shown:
9,01
